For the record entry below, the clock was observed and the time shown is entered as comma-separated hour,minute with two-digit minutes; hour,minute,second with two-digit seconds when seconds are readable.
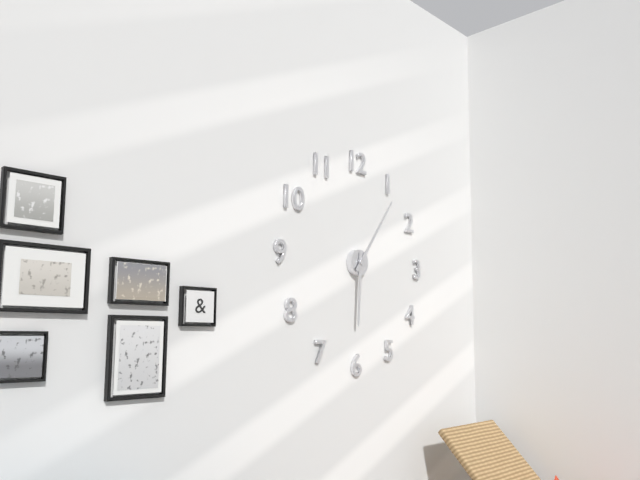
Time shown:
6,06
